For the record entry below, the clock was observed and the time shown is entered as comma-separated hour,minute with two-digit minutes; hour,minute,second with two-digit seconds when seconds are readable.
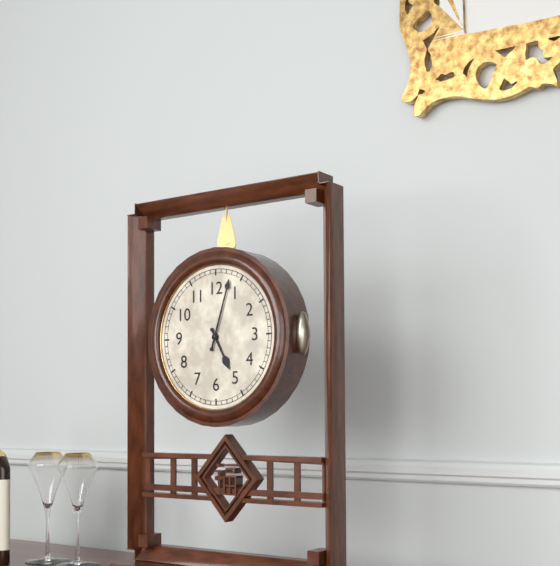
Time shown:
5,03
